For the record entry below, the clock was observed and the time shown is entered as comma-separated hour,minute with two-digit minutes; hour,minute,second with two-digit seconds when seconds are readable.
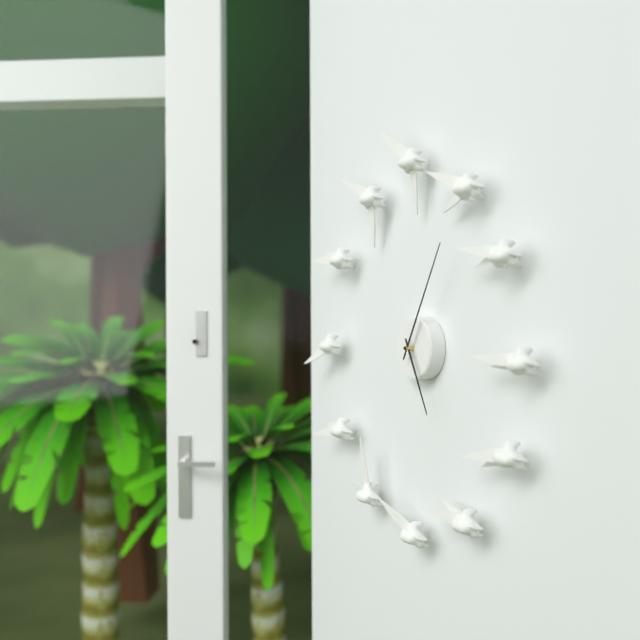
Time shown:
5,05
